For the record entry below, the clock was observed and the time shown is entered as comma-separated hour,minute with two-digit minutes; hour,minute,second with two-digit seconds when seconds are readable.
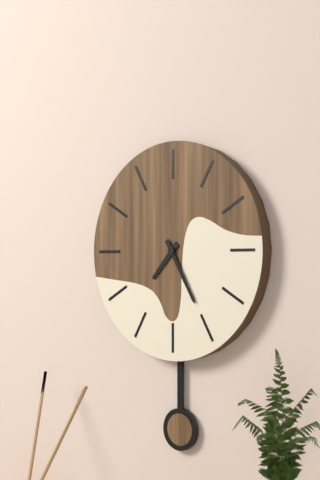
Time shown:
7,25
